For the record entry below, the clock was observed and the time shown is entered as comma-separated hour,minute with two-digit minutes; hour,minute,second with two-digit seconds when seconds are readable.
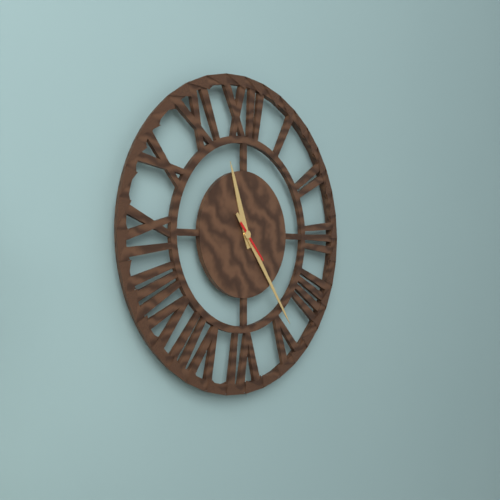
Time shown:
11,24
